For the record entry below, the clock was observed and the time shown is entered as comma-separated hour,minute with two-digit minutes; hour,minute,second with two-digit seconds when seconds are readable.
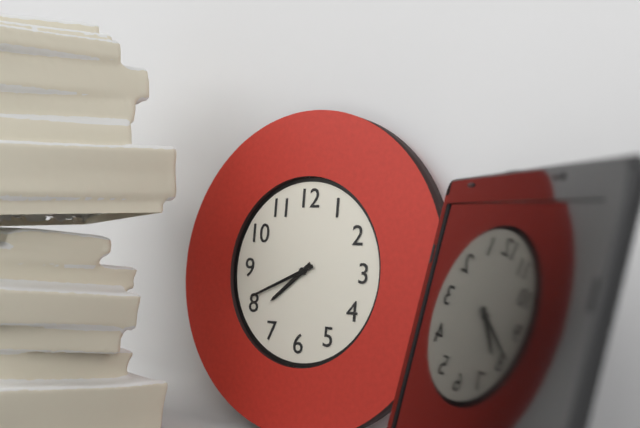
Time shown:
7,41
